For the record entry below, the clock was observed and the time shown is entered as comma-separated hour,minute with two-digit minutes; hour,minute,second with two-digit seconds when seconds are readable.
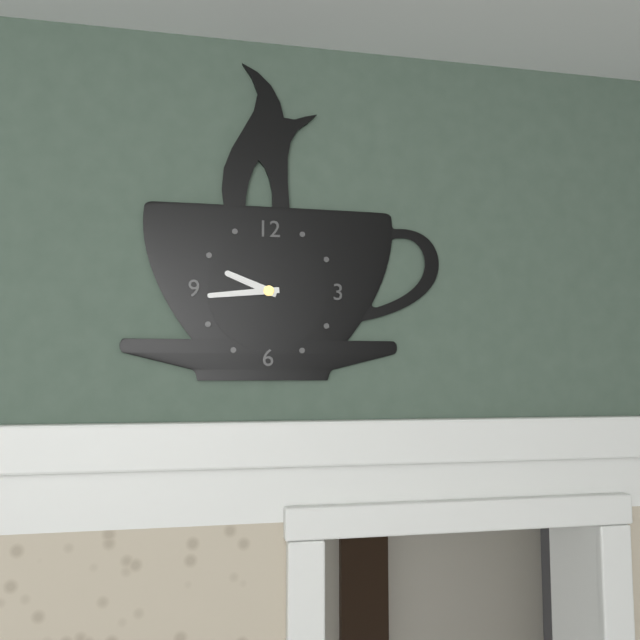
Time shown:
9,44
